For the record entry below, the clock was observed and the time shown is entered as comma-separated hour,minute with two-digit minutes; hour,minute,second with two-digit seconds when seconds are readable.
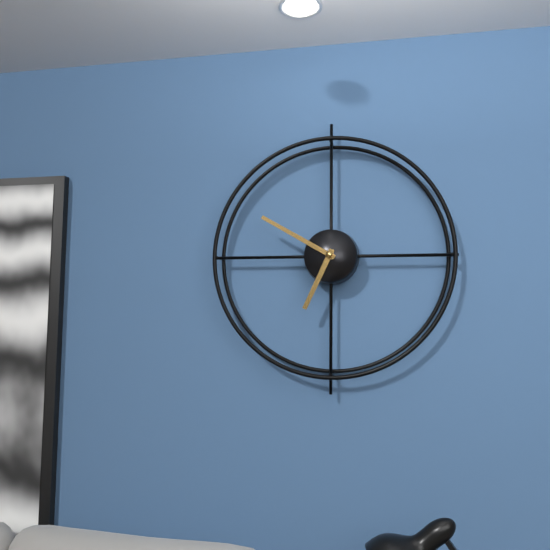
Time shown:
6,50
